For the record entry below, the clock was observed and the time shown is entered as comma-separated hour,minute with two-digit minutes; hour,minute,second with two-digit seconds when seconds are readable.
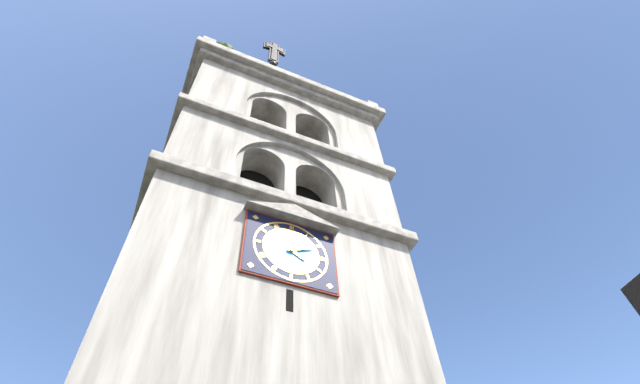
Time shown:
4,11
